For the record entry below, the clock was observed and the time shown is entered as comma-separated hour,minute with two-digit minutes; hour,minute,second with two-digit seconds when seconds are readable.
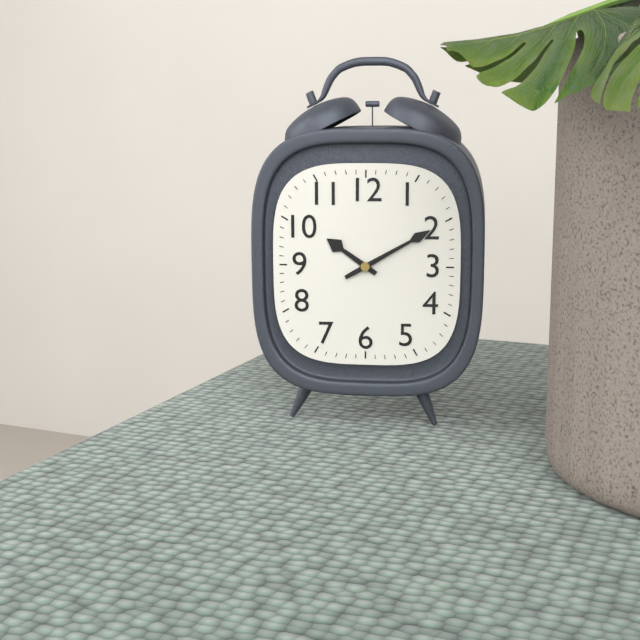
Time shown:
10,10
